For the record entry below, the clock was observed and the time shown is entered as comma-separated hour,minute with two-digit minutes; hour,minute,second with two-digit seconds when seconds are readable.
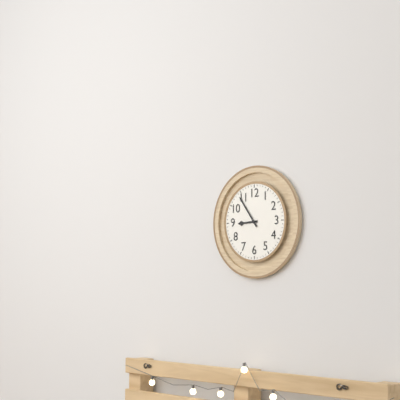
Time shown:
8,54
